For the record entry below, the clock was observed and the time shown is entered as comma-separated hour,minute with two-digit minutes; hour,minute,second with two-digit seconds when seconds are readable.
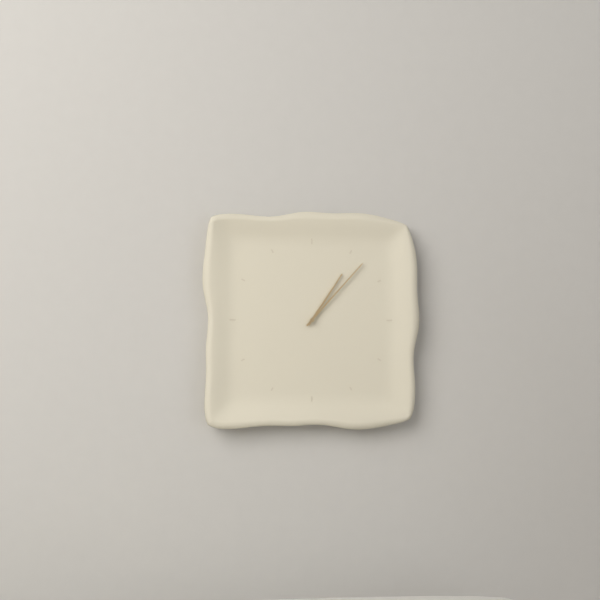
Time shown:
1,07
